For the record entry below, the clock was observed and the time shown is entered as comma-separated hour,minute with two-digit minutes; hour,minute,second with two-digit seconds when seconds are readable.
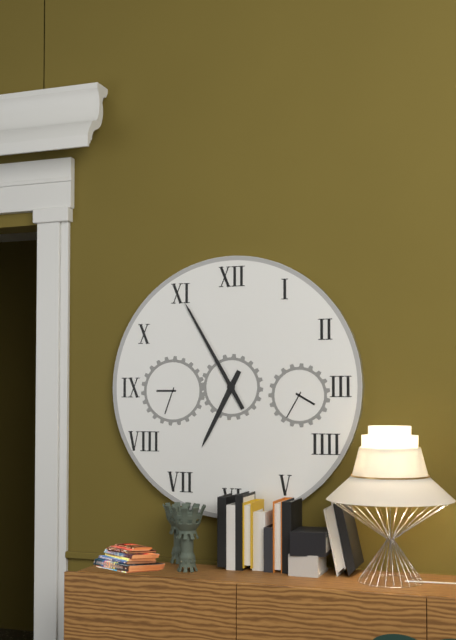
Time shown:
6,55
